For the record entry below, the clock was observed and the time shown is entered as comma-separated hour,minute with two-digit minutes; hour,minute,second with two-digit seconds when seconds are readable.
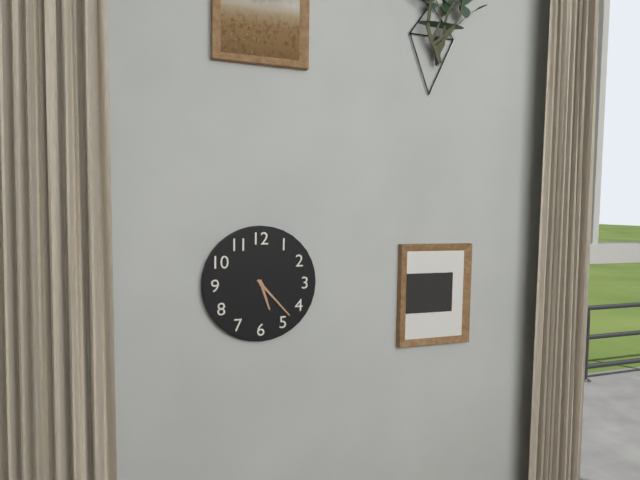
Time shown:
5,23
